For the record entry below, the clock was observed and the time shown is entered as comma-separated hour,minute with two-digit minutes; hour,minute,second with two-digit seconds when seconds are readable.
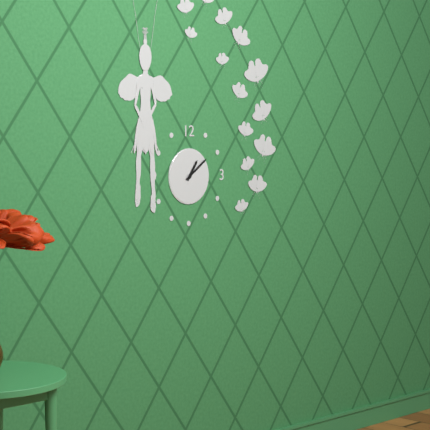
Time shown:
1,09
